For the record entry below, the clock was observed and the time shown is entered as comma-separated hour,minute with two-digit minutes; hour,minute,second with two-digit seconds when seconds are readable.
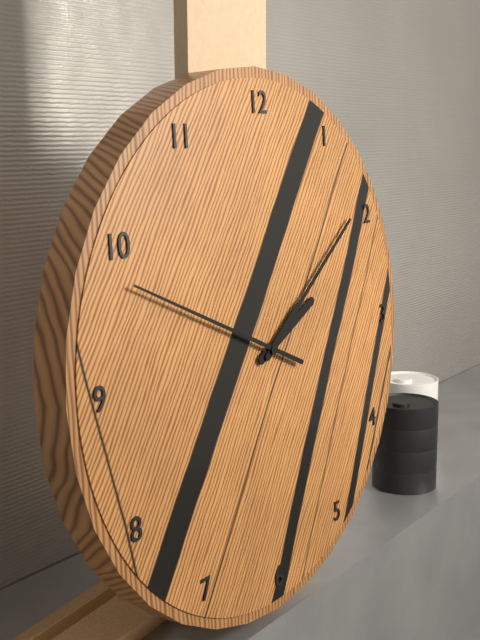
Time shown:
2,09,49
